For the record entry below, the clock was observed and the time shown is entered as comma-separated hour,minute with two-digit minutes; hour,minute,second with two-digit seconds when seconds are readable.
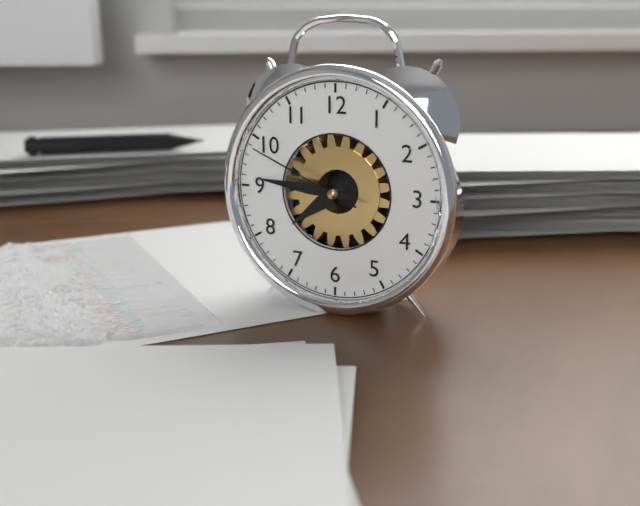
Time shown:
7,46,49
